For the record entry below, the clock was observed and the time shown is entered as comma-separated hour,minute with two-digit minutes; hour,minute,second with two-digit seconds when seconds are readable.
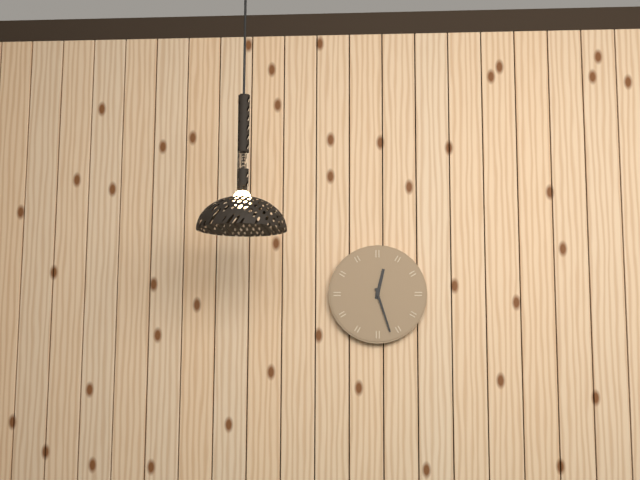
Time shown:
12,27
